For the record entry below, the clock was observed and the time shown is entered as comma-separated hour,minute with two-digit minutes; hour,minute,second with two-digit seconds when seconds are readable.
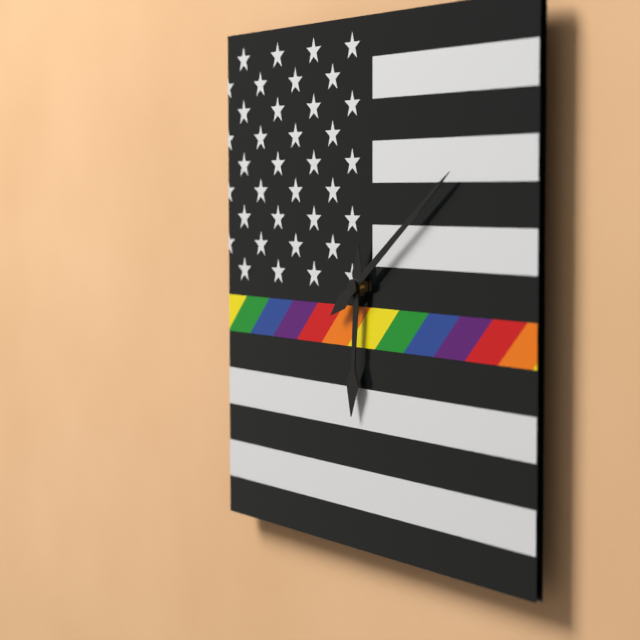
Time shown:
6,09
